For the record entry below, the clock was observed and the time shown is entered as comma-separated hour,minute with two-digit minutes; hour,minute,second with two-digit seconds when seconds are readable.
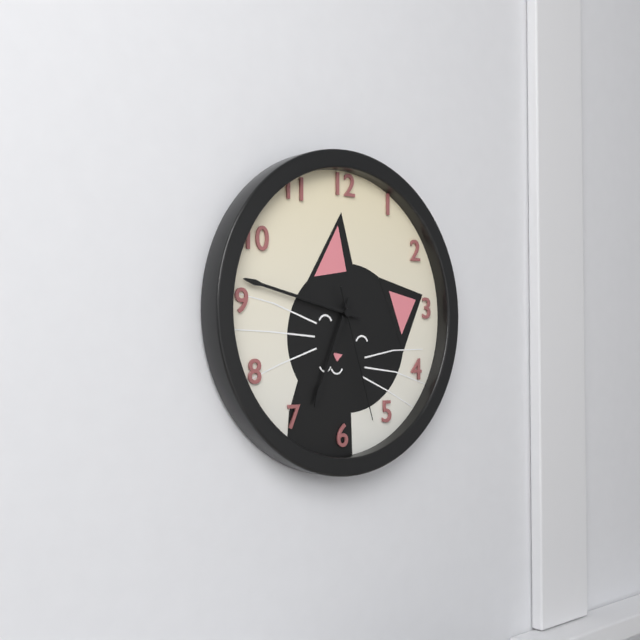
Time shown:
6,47,27
